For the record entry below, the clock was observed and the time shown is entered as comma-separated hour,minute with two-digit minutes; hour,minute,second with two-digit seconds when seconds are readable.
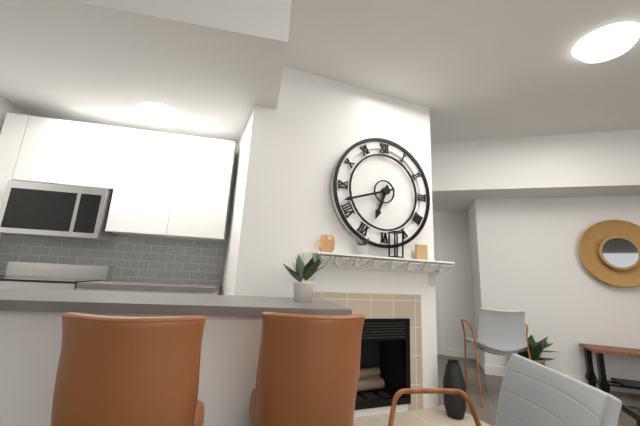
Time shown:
6,42
